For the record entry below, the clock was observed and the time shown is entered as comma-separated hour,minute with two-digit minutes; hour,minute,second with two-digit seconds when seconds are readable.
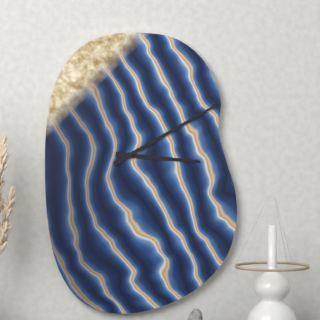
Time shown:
3,10
